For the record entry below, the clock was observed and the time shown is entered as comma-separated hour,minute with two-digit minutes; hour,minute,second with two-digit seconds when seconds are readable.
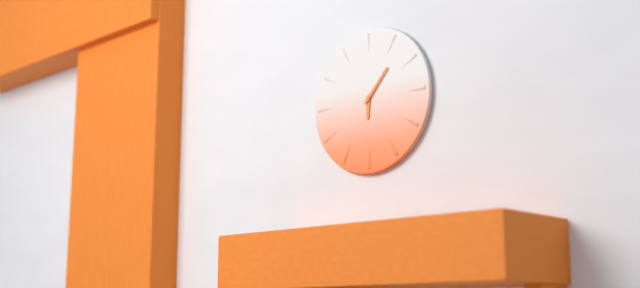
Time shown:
6,07
